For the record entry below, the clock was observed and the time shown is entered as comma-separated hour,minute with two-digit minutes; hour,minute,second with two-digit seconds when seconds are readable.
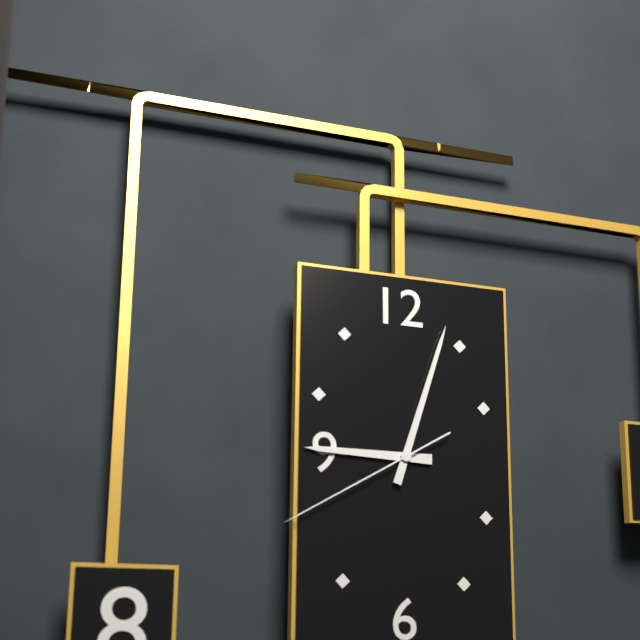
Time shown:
9,03,40
